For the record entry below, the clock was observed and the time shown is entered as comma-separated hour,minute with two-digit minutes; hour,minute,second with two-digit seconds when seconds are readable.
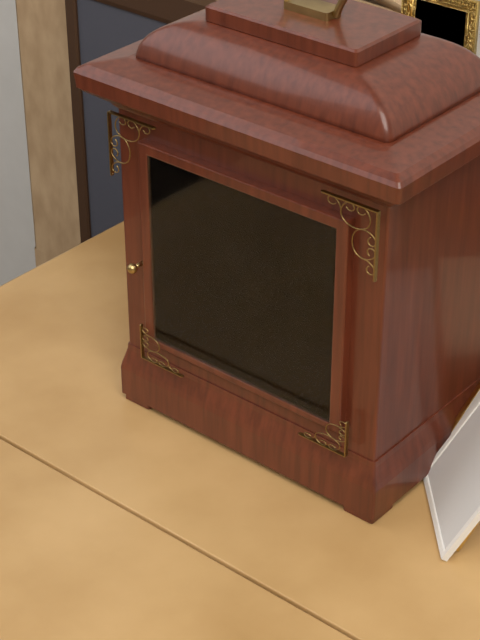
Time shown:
4,26
